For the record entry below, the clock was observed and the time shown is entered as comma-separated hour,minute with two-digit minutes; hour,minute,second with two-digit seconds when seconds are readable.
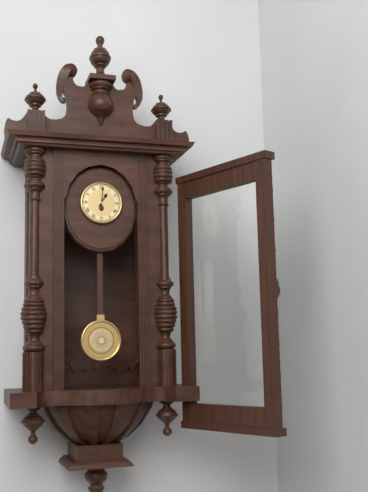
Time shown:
1,01
